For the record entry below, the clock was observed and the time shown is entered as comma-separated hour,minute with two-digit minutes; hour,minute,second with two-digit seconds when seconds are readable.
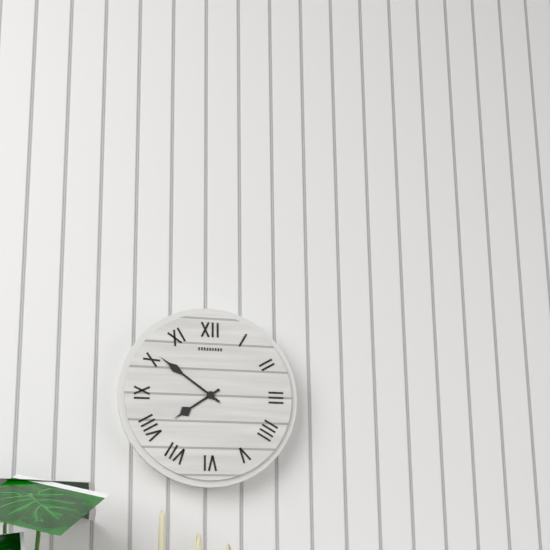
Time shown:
7,51
